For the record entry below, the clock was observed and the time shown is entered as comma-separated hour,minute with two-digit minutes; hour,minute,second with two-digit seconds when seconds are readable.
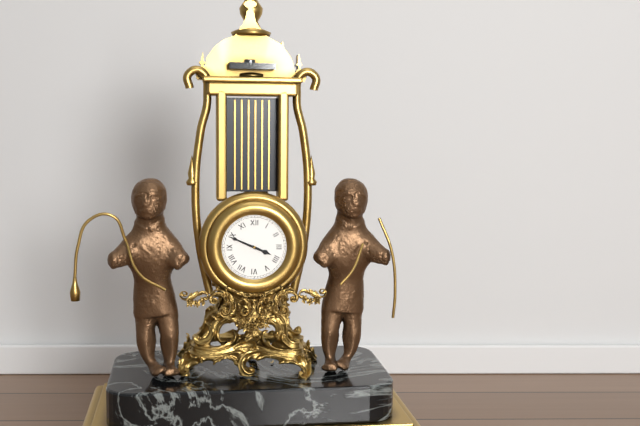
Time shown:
3,49
